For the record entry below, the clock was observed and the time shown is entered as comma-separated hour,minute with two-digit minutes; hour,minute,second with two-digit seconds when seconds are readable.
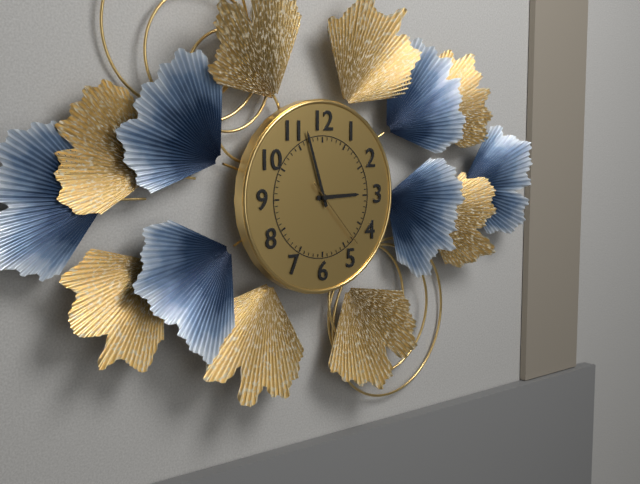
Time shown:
2,57,23
